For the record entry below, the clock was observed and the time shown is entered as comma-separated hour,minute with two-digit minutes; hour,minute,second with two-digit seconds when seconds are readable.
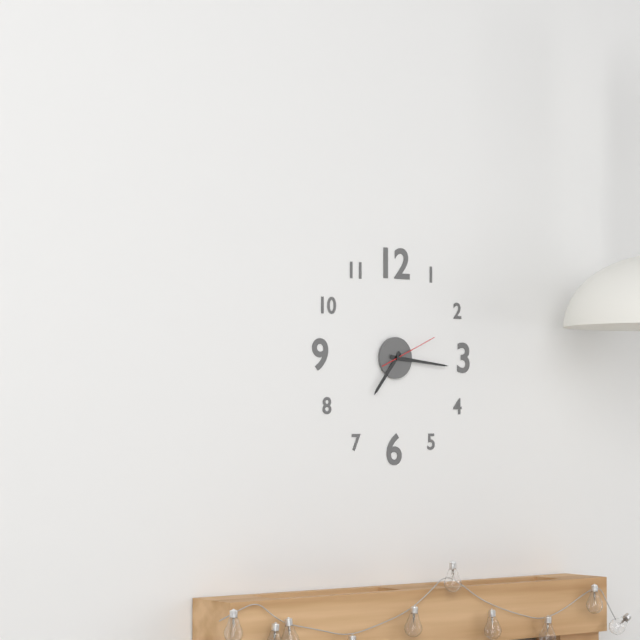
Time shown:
7,16,11
